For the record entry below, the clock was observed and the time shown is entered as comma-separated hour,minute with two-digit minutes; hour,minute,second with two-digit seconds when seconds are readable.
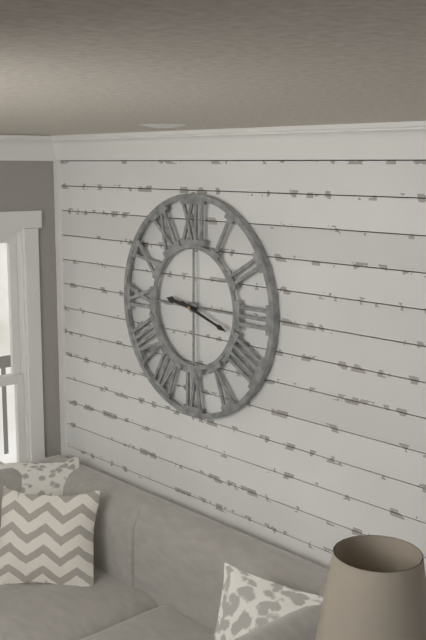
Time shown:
9,18
